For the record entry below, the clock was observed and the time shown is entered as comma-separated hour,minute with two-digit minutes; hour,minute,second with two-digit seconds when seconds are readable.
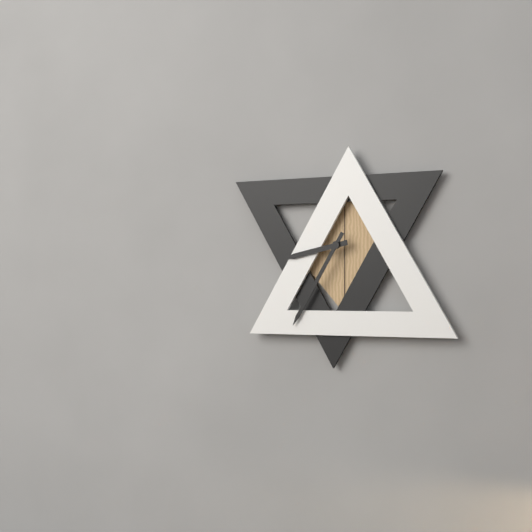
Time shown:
8,35
